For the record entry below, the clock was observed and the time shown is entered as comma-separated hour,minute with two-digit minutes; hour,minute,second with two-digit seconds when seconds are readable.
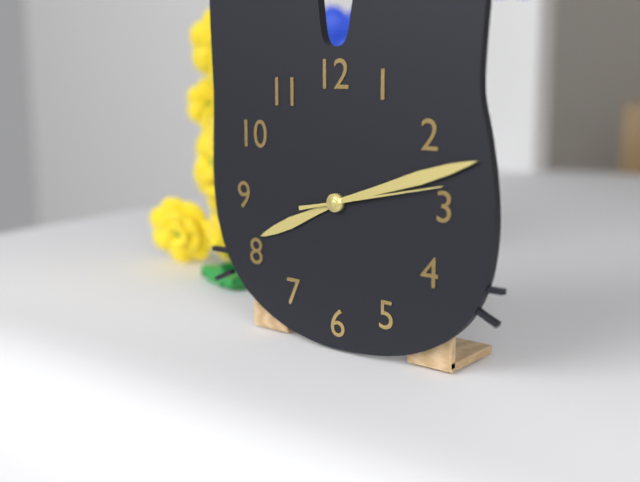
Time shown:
8,12,13
